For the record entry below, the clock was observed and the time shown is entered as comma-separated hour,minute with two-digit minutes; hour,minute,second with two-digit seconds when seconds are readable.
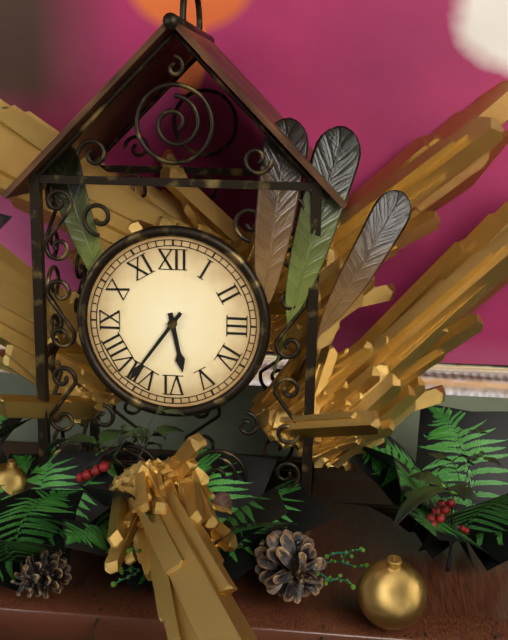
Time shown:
5,36
